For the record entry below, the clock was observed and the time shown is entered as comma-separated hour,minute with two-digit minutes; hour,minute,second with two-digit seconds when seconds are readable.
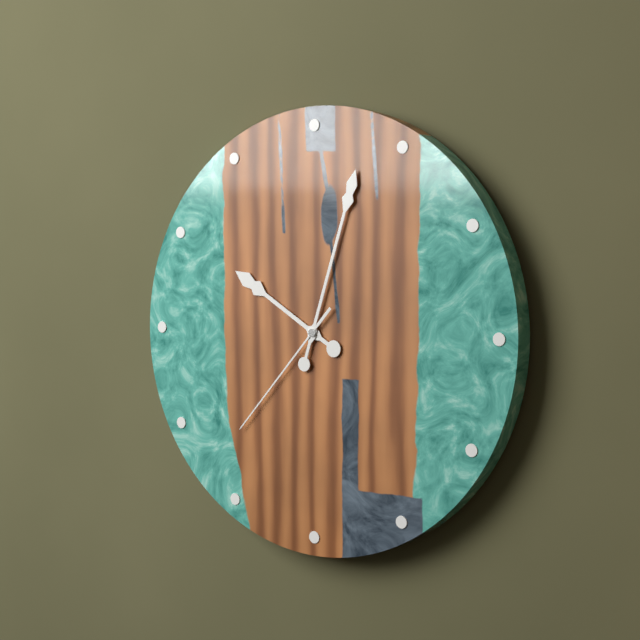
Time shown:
10,03,37
